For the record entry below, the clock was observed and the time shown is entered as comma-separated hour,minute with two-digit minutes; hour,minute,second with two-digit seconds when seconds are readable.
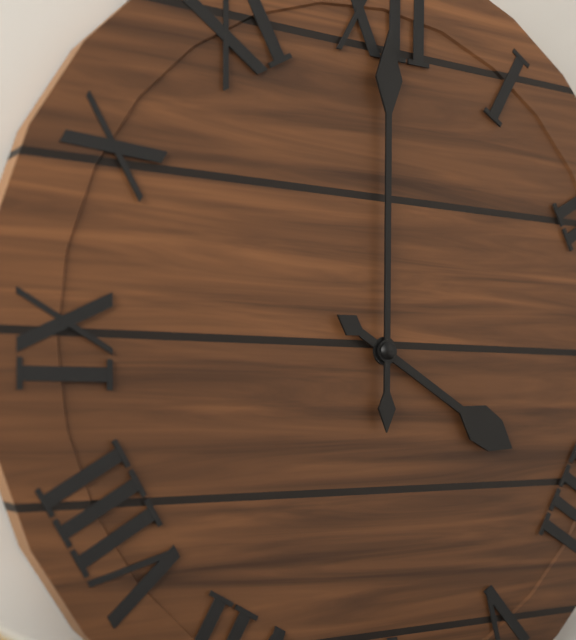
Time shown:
4,00
